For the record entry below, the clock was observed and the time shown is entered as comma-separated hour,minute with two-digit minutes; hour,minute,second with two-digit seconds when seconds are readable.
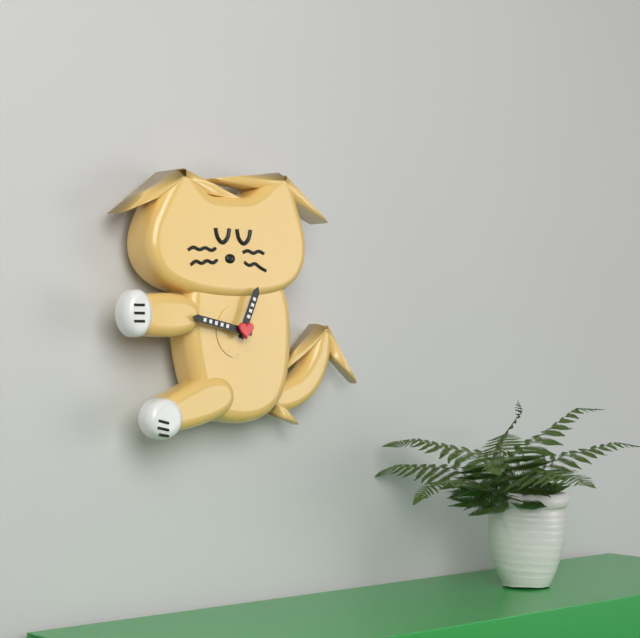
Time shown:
12,47
